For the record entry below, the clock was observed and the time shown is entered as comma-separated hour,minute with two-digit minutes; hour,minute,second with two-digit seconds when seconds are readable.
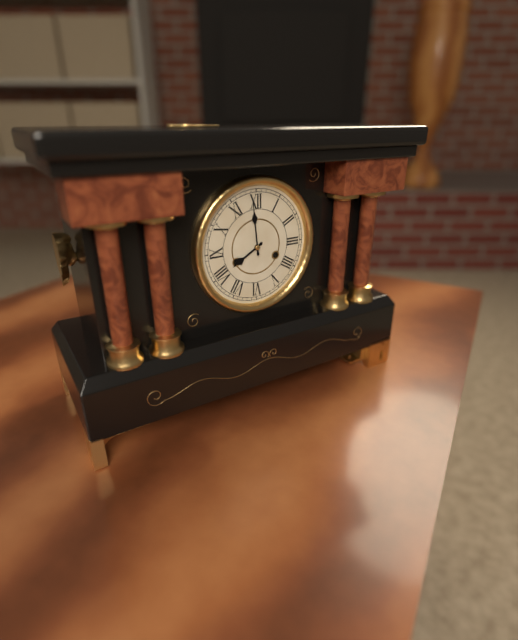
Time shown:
7,59
